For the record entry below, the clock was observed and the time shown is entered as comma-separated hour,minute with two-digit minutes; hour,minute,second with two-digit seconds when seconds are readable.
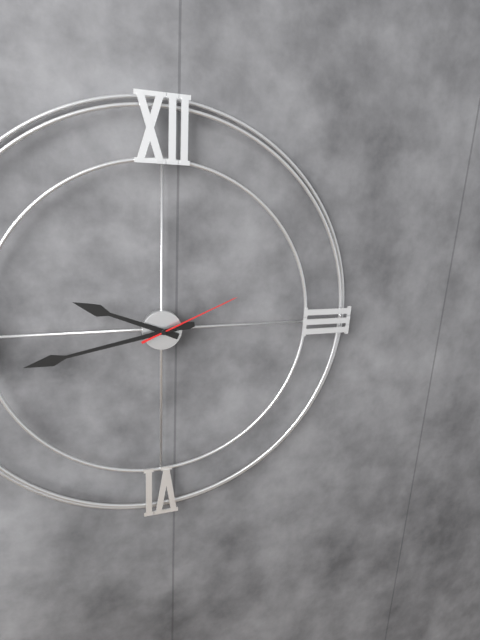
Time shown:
9,43,11
